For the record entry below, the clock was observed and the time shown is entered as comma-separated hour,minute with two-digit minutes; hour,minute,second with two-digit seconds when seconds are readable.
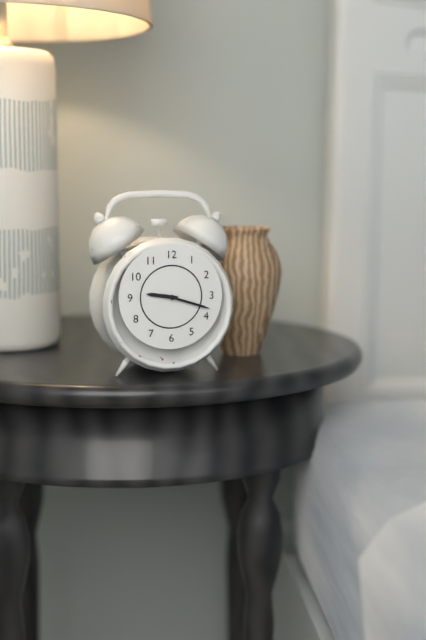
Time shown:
9,18
